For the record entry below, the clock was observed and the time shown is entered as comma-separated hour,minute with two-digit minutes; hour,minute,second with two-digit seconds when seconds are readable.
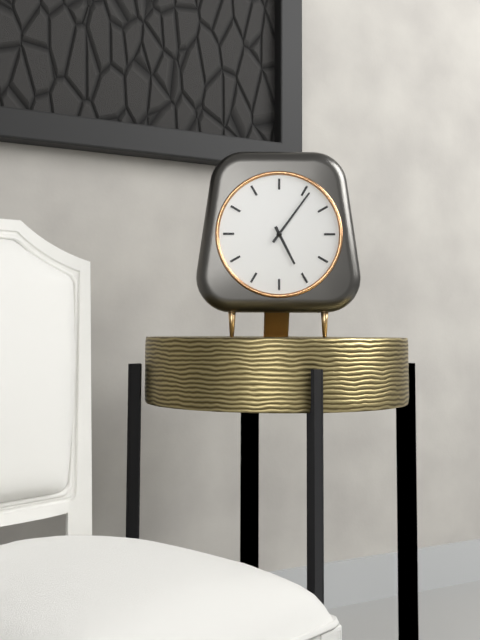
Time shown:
5,06
